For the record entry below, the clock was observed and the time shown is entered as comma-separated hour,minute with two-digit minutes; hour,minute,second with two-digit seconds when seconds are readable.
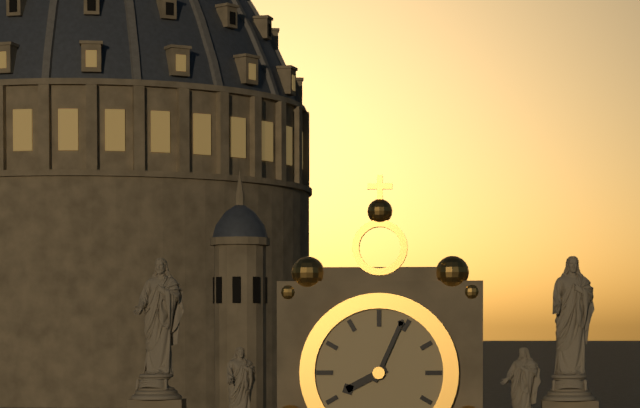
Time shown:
8,04
